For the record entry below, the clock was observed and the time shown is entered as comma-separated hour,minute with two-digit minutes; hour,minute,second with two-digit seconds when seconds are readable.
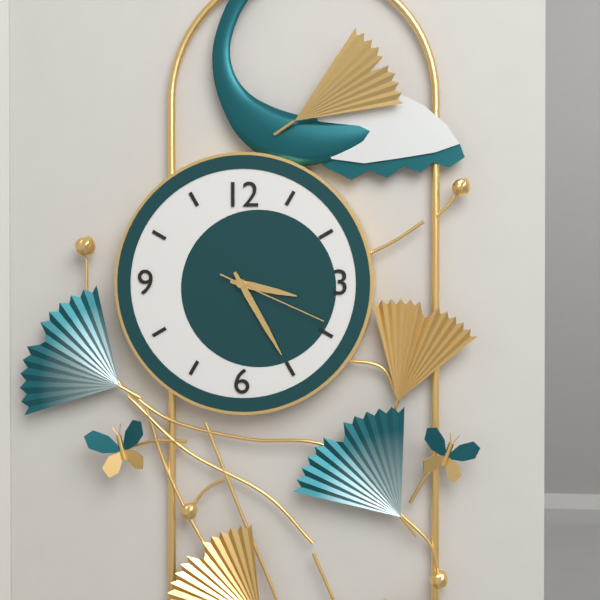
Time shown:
3,25,19
